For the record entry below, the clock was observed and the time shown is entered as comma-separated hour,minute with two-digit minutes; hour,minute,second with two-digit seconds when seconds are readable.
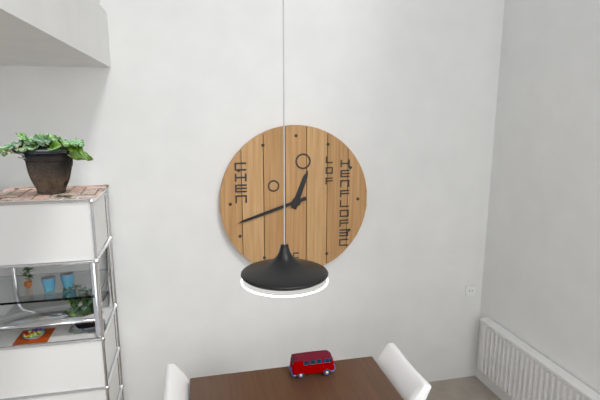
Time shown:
12,42
